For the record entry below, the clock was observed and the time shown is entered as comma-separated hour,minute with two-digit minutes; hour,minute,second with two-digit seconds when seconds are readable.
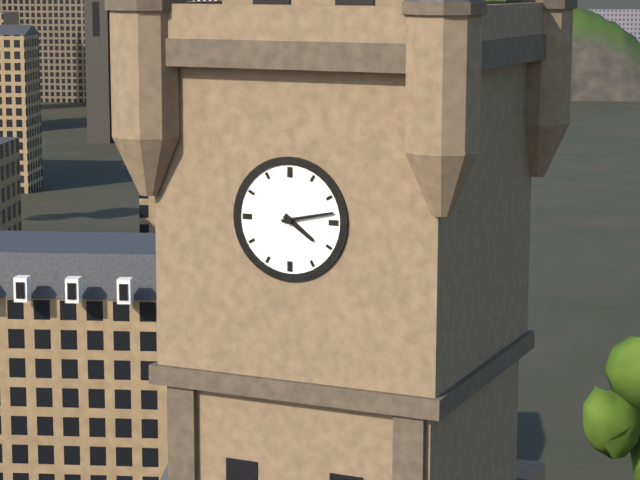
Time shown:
4,13
